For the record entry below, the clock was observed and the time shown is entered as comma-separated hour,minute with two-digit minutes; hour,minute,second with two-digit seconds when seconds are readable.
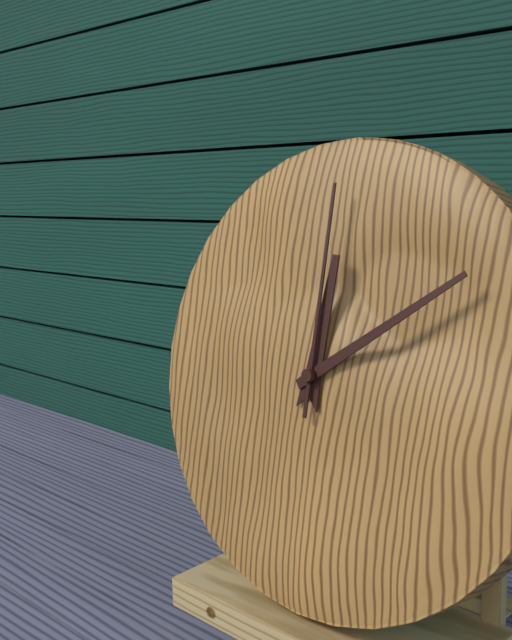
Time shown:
12,09,00
